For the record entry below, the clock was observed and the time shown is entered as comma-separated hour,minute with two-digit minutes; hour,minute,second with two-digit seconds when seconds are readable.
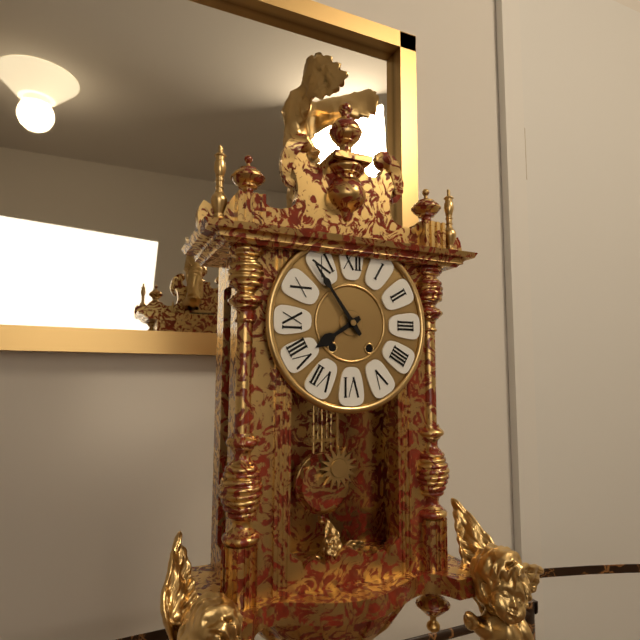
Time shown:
7,54
